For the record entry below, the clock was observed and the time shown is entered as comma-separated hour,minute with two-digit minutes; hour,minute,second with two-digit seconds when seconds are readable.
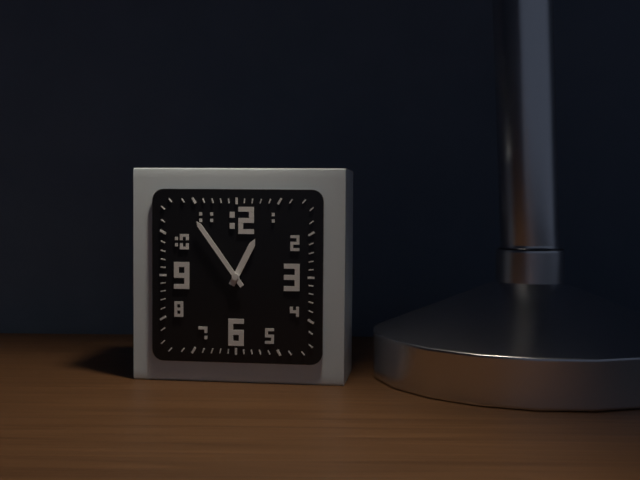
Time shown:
12,54
